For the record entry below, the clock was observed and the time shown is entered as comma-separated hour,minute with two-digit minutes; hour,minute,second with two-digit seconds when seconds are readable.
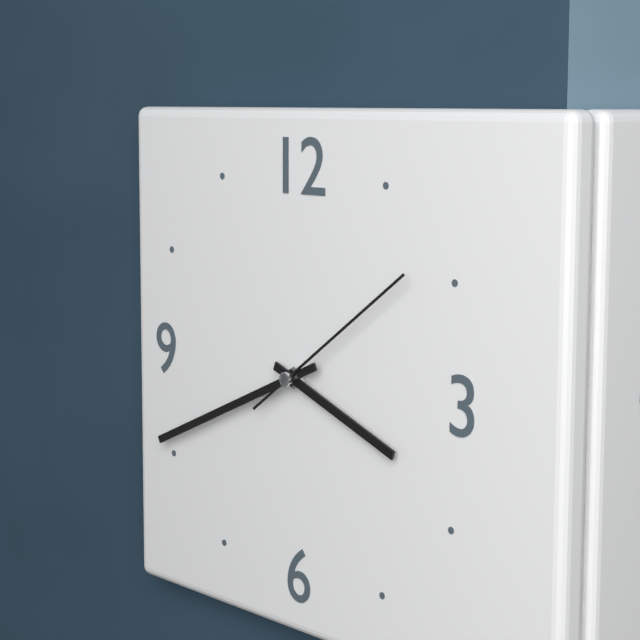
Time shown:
3,41,09
